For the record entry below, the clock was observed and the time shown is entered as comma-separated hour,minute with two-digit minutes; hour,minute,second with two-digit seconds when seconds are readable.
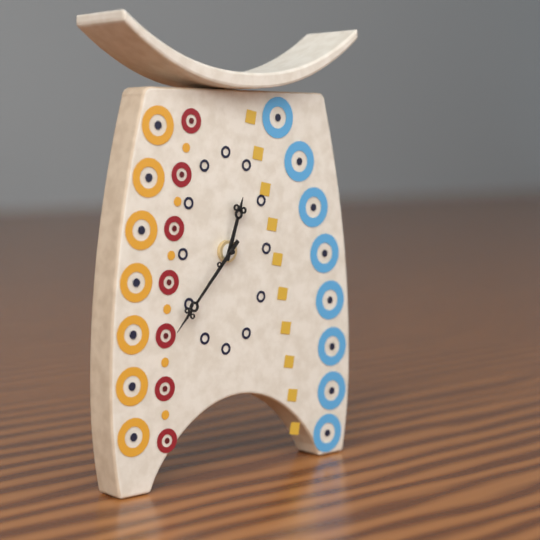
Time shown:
12,37
